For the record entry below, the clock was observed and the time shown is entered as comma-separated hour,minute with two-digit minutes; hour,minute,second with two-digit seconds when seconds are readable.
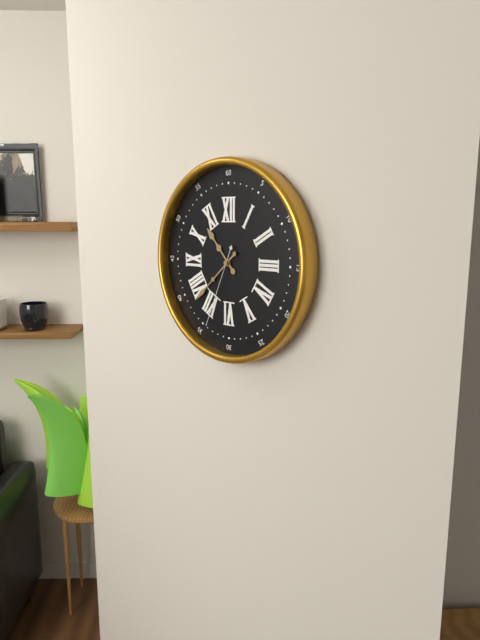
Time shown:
10,38,34
